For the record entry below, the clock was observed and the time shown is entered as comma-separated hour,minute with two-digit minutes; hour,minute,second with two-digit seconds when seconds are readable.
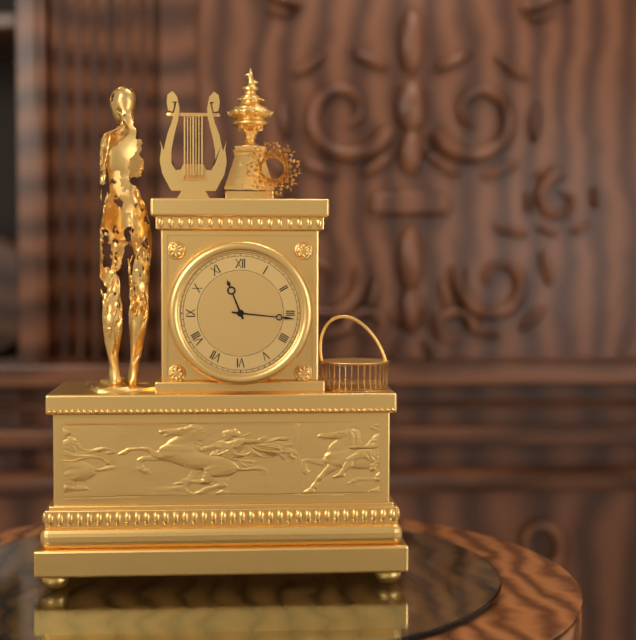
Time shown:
11,16
